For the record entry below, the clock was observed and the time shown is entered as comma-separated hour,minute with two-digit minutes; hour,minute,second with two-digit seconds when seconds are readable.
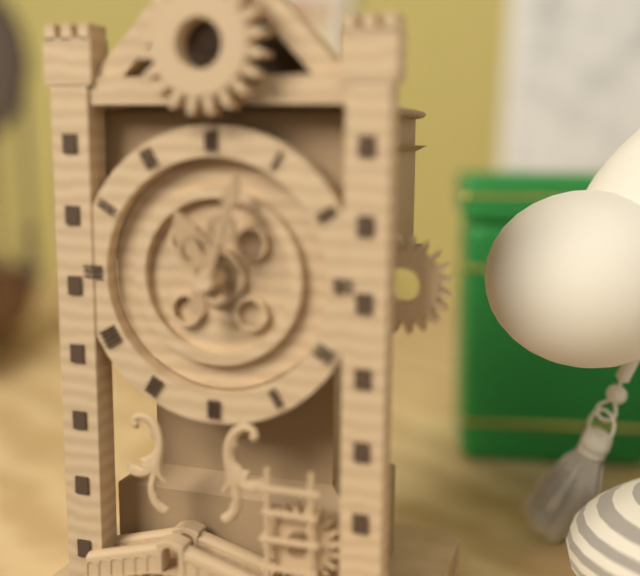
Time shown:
11,03
